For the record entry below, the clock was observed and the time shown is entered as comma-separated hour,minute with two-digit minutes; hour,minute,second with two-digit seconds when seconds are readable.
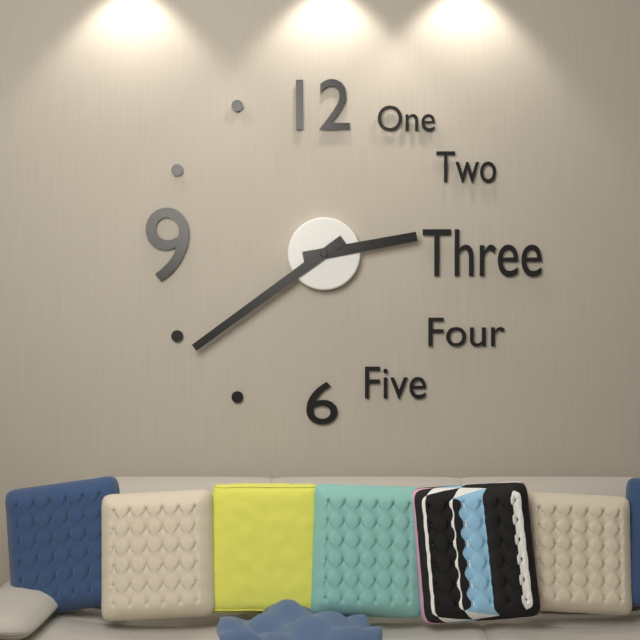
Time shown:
2,39
